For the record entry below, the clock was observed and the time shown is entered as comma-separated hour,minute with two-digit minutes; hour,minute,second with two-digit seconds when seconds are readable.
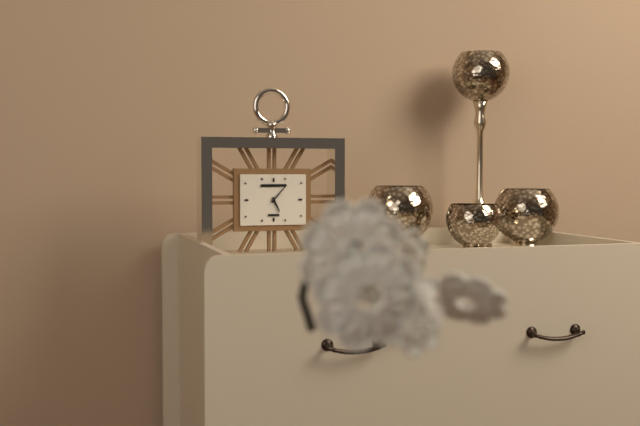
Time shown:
5,07
